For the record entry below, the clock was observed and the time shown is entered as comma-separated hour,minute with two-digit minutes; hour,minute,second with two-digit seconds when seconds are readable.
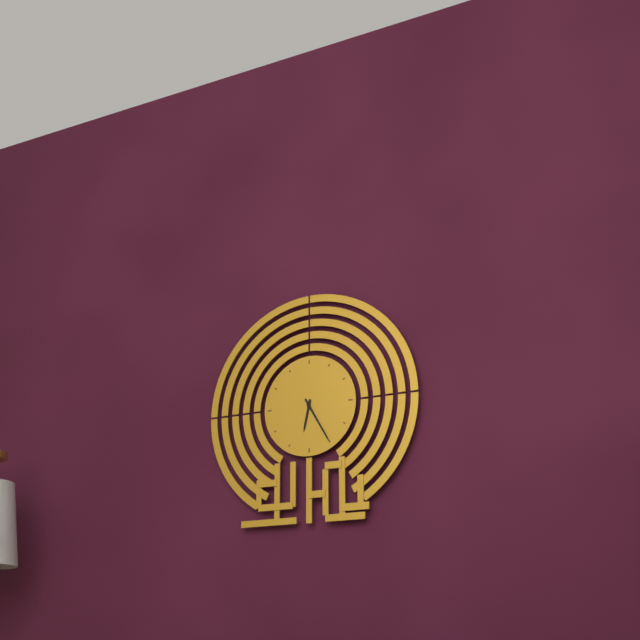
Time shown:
6,25
